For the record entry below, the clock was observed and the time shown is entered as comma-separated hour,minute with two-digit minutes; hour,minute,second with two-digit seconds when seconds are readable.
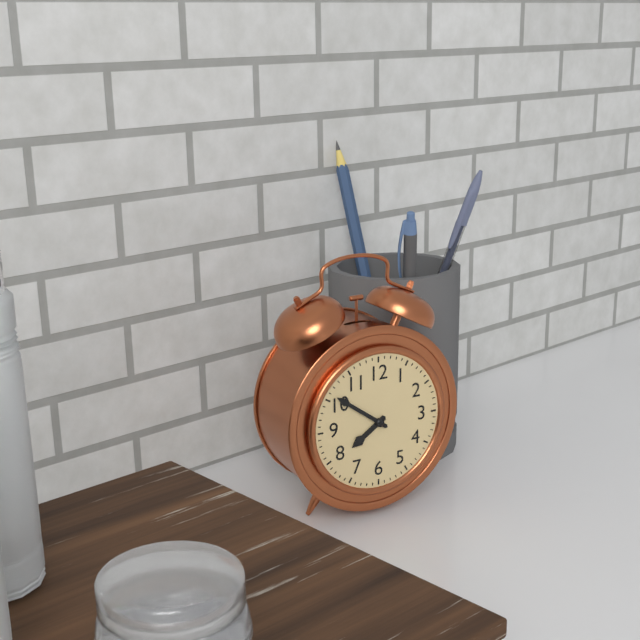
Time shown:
7,51
